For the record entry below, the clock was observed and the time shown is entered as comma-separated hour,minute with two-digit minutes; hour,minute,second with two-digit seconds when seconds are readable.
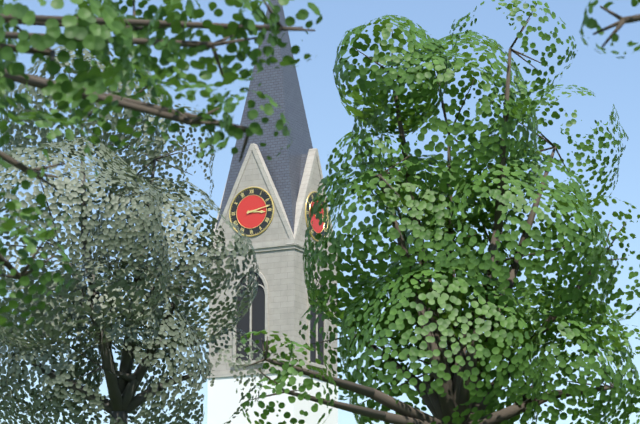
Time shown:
3,13
